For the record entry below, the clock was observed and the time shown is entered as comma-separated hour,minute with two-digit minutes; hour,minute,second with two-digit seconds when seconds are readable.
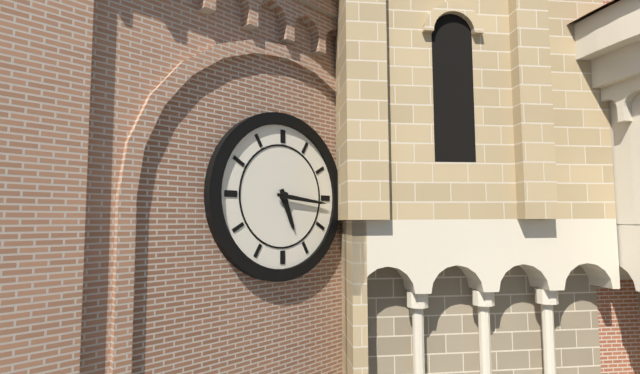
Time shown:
5,16
